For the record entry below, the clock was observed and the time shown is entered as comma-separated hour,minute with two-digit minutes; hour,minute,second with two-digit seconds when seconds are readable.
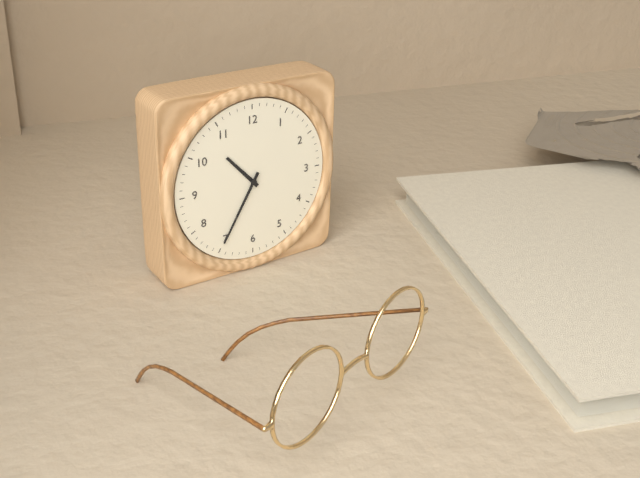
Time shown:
10,35
